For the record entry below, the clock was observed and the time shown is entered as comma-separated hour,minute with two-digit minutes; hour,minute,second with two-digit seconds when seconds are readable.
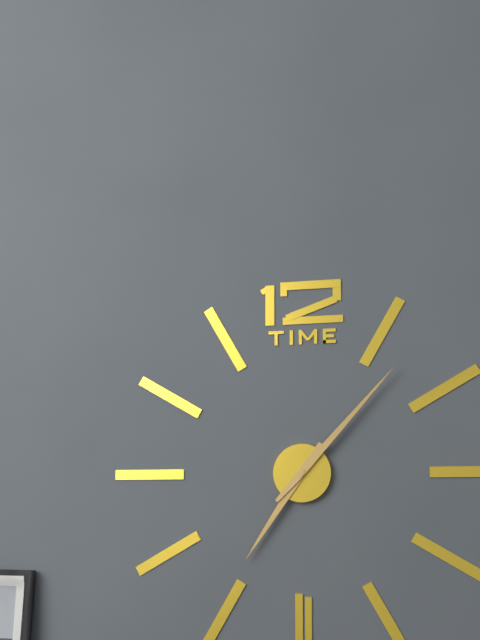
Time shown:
7,07
